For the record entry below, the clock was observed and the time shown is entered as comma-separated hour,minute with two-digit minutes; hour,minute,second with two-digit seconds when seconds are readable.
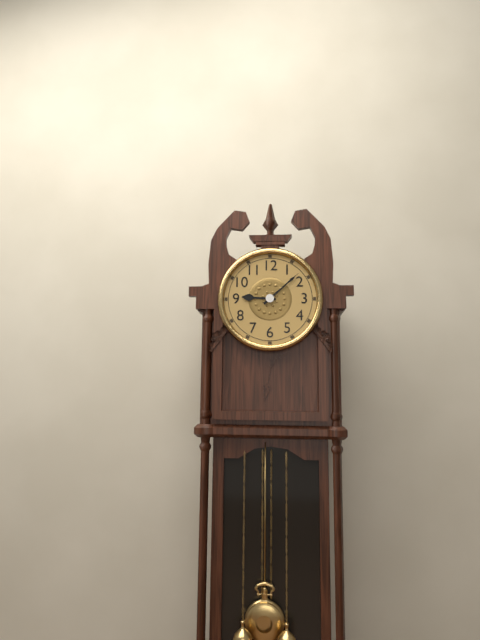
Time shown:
9,08
